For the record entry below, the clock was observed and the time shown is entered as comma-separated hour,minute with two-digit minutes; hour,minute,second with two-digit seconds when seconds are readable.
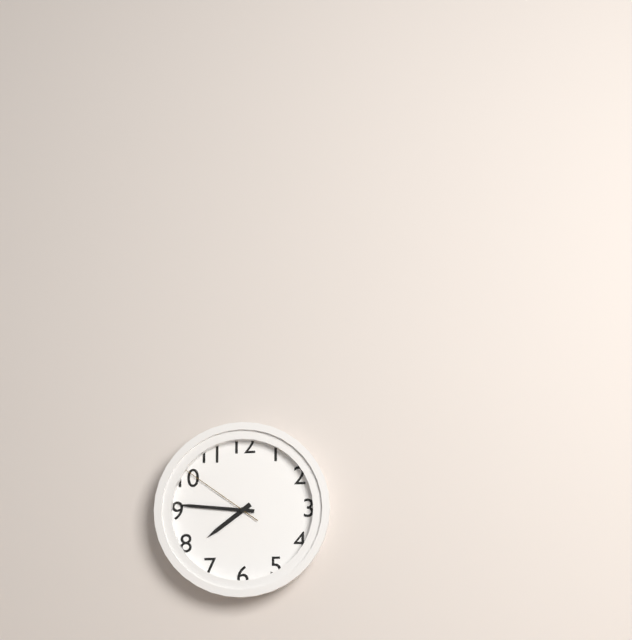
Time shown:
7,46,51
